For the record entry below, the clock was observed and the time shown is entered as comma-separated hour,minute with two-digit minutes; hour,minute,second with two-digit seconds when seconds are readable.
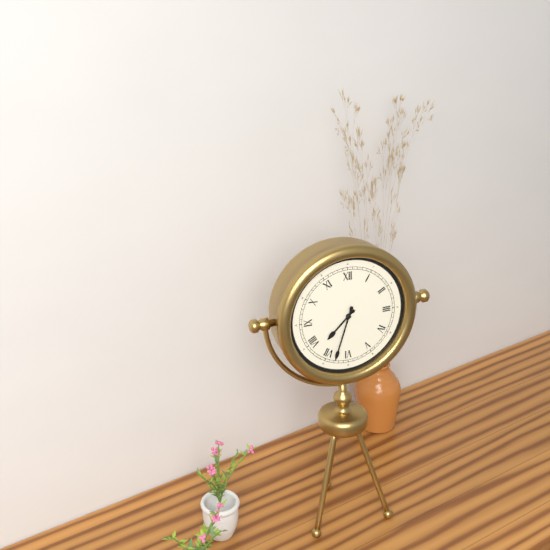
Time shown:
7,33
